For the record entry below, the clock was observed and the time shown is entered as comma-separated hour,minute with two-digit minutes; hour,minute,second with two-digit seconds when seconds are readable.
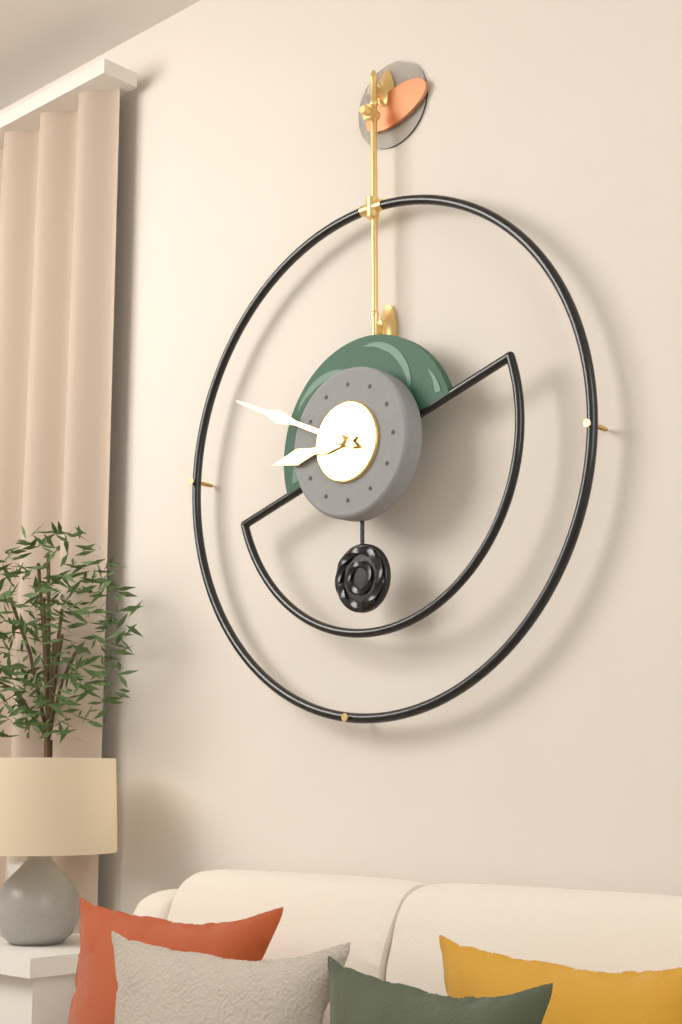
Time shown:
8,49
